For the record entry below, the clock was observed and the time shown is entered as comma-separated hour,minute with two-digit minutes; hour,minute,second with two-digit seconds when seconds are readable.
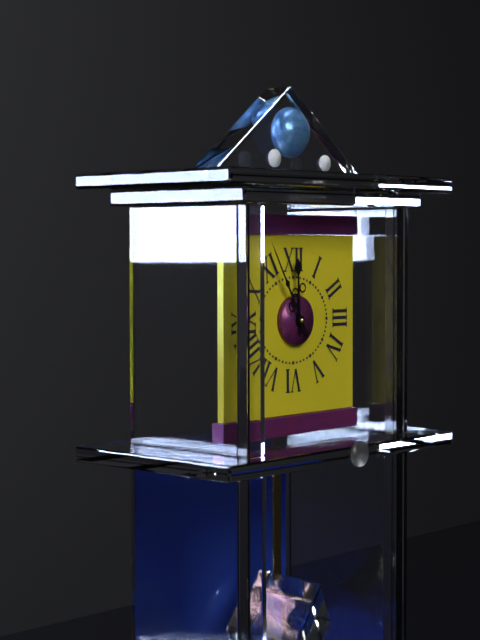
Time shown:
11,55
